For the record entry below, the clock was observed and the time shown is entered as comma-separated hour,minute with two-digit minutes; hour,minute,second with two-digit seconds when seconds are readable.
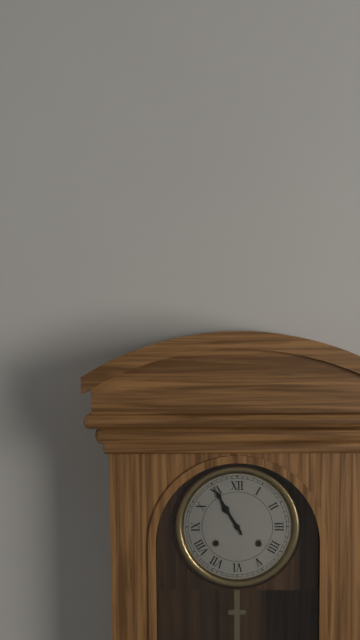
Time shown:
10,55
